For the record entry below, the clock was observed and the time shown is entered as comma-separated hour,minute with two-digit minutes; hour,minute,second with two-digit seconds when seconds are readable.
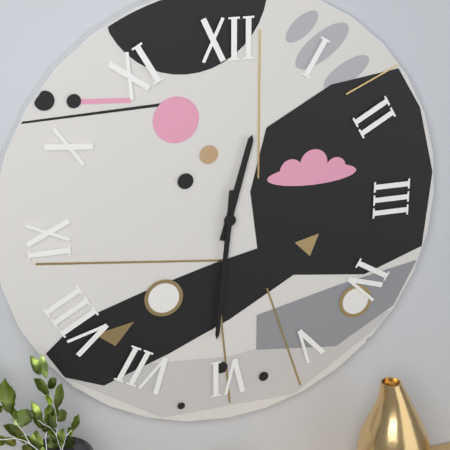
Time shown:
12,31
